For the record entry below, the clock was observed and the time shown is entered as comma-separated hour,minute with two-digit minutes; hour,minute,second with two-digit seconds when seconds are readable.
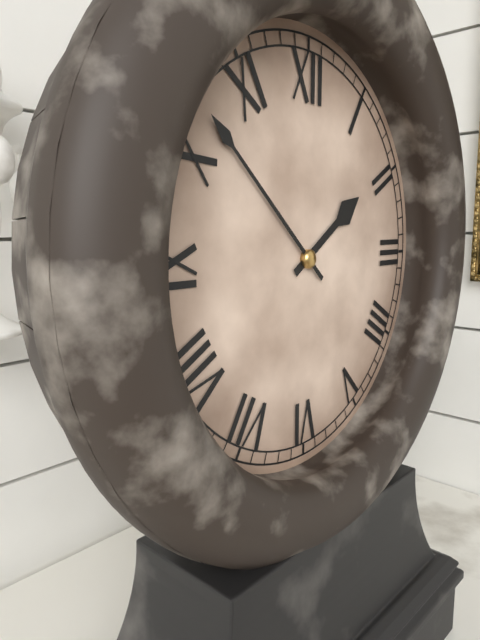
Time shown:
1,52
